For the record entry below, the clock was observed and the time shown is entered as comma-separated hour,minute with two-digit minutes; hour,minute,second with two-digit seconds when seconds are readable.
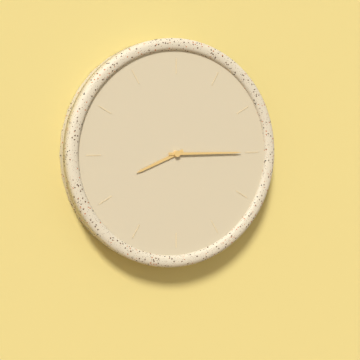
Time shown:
8,15
